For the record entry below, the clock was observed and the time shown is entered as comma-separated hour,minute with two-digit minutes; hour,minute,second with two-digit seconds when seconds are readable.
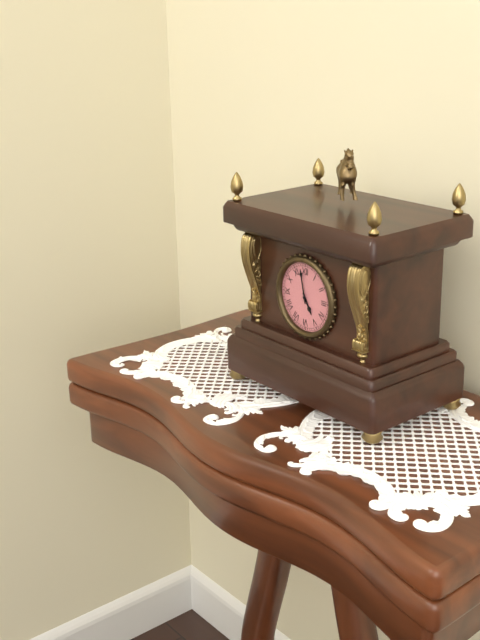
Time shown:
4,58
